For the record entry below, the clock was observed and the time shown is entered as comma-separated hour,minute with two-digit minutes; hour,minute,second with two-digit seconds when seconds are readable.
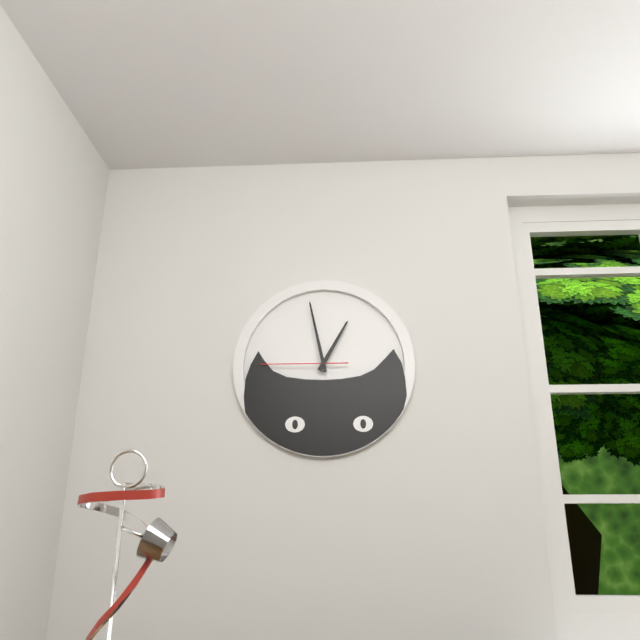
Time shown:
12,58,45
